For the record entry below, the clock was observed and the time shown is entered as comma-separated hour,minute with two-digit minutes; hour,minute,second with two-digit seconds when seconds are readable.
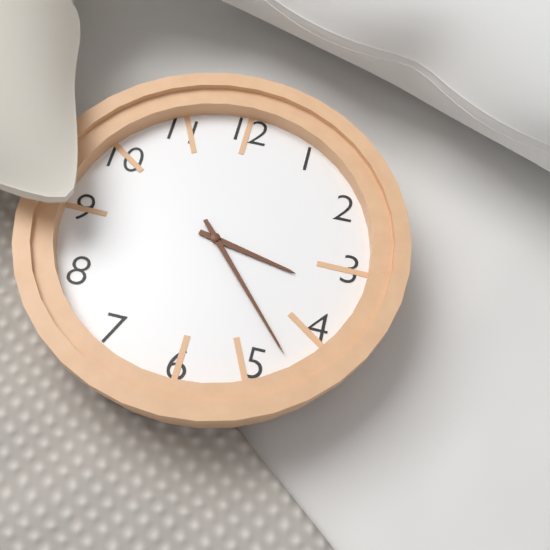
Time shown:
3,23
